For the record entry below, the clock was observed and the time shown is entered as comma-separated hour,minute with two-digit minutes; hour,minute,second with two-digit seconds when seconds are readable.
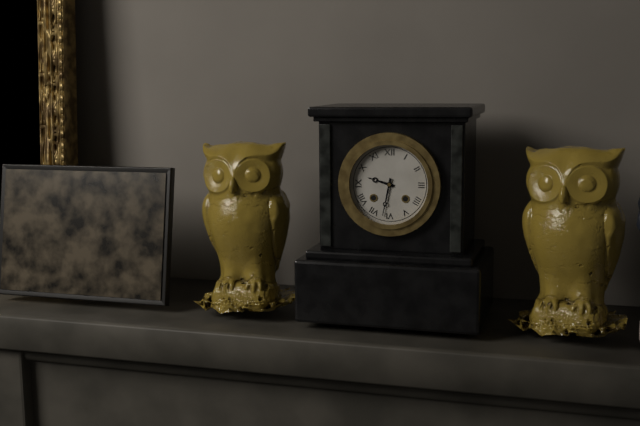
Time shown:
9,32
